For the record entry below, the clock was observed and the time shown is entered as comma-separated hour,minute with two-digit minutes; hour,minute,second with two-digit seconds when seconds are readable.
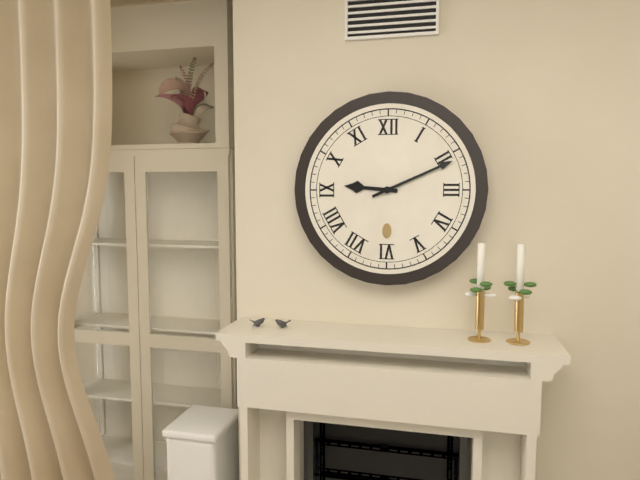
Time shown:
9,11
